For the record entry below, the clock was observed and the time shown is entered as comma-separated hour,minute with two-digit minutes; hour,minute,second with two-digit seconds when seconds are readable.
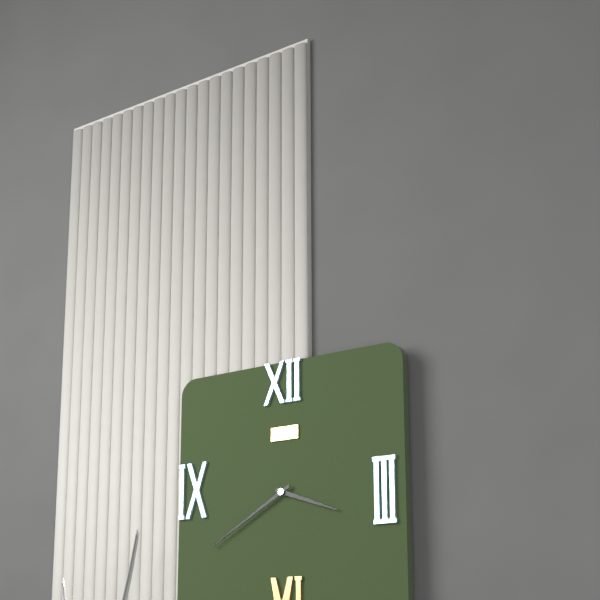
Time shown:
3,40
